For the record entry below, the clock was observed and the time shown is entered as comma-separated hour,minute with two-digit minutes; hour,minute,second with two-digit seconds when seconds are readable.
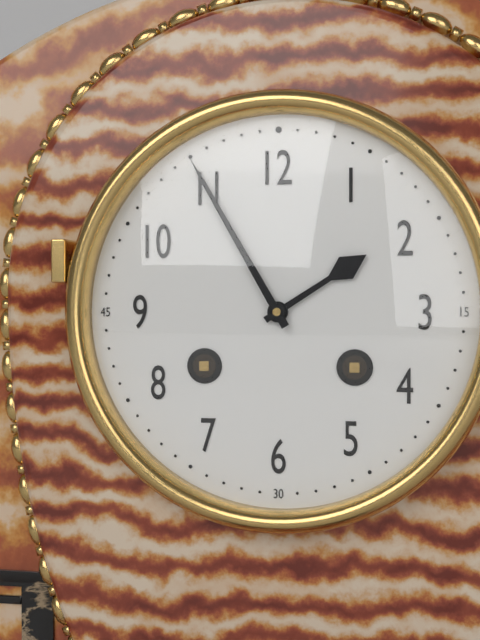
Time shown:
1,55
